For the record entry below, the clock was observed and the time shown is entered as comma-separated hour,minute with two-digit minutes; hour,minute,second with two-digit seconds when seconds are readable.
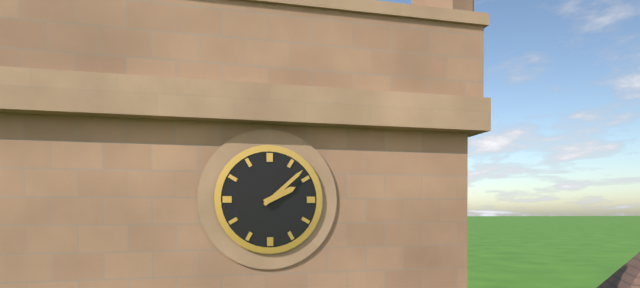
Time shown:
2,08
